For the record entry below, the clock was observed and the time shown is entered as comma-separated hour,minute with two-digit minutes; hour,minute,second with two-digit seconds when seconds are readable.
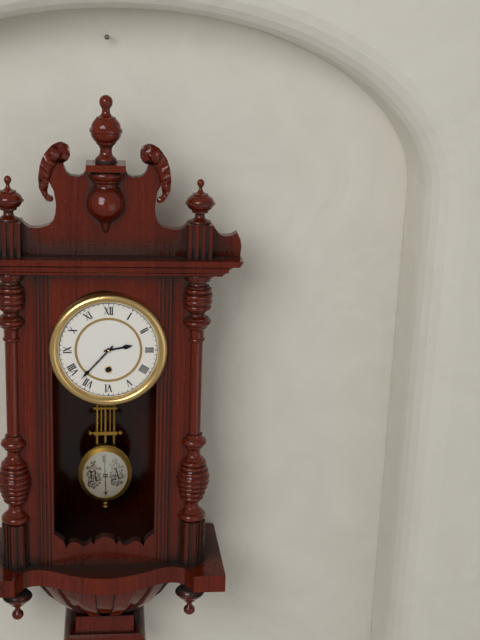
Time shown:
2,37
